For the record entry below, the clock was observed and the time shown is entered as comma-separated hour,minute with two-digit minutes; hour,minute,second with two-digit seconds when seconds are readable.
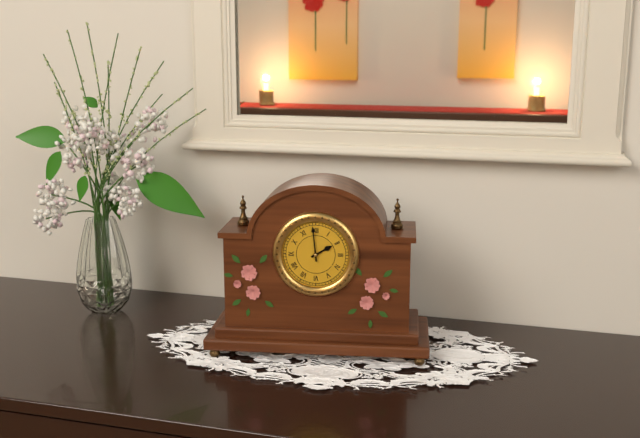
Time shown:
1,59
